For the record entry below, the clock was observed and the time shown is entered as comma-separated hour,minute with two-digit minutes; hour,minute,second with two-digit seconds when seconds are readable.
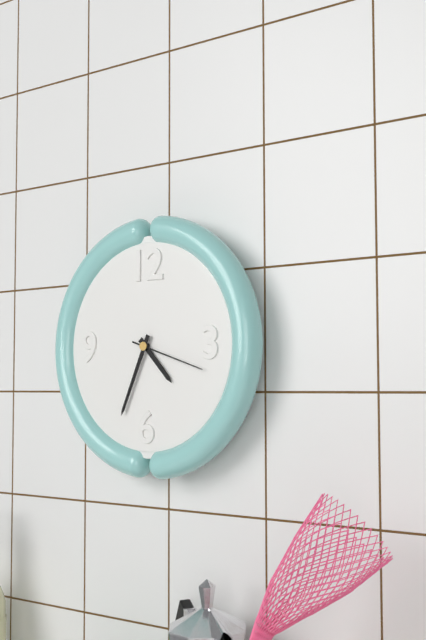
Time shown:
4,34,18
